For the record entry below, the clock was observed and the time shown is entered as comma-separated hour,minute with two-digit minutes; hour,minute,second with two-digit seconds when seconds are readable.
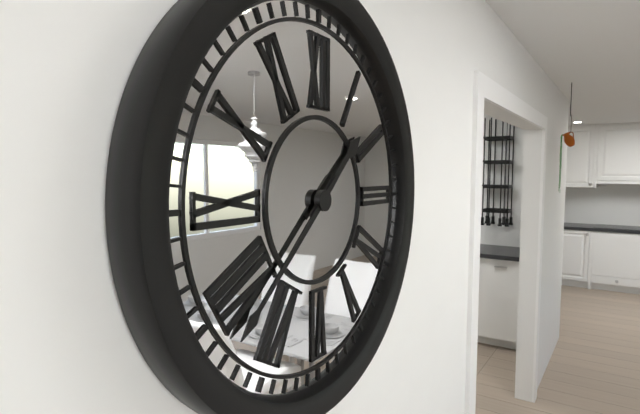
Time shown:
1,38
